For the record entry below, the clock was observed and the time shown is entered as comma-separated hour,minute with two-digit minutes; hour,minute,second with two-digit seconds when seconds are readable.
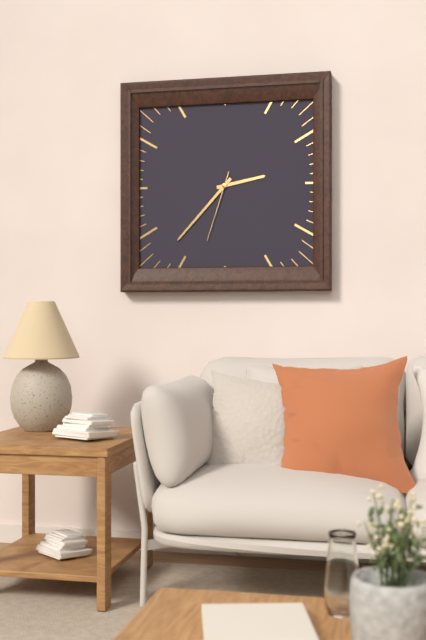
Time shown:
2,37,33
